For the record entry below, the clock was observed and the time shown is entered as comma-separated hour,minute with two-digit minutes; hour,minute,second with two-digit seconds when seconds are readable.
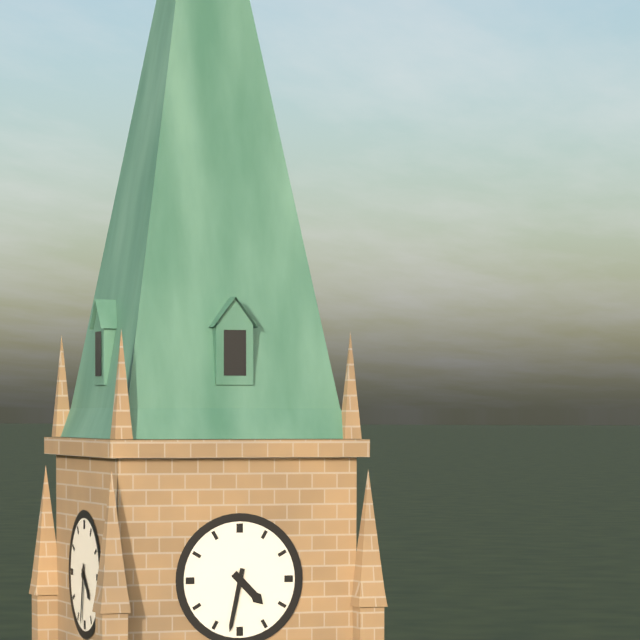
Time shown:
4,32
